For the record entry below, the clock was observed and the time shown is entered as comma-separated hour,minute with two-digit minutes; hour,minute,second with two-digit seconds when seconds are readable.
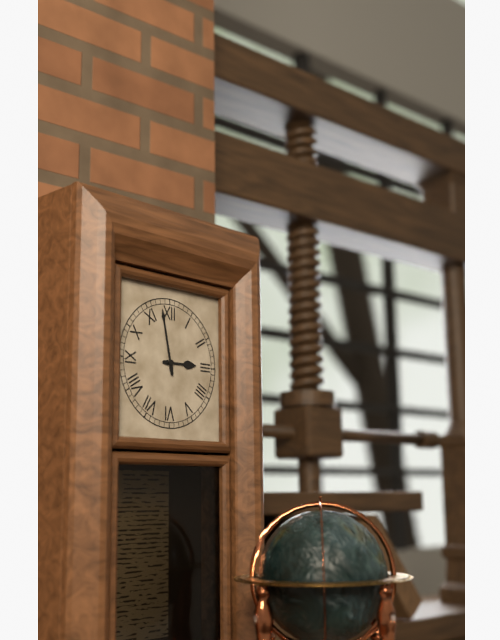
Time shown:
2,58
